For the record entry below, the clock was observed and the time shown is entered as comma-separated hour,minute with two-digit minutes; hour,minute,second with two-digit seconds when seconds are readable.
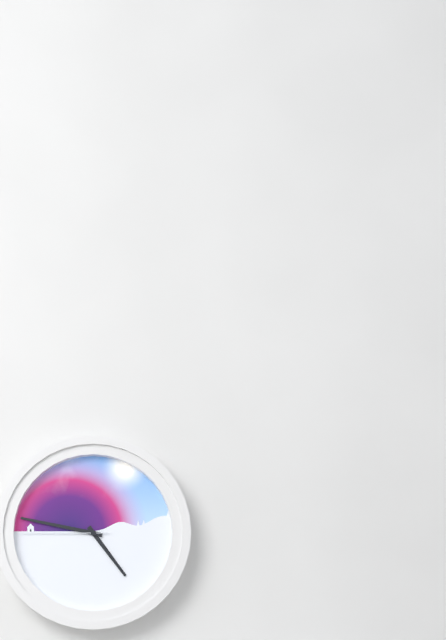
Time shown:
4,47,45
